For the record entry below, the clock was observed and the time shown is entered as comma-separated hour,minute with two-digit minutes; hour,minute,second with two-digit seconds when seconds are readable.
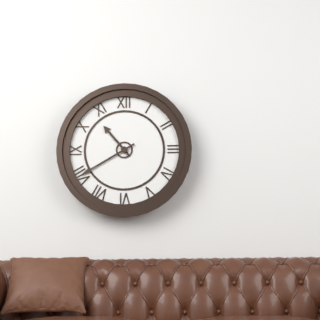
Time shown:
10,40
